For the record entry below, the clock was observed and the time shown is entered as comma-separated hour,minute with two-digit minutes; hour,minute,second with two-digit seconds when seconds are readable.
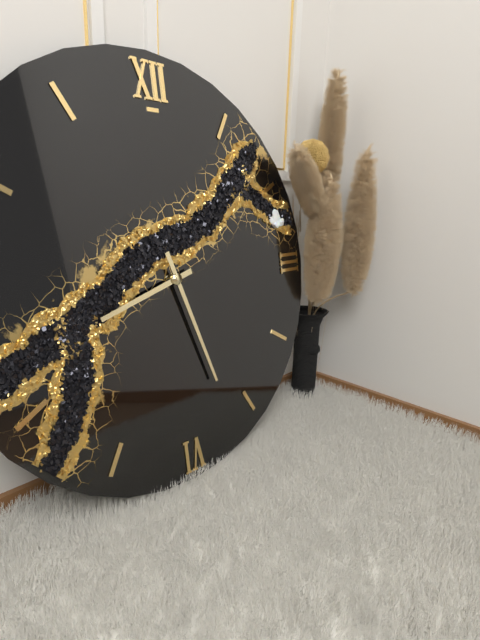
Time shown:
8,27
